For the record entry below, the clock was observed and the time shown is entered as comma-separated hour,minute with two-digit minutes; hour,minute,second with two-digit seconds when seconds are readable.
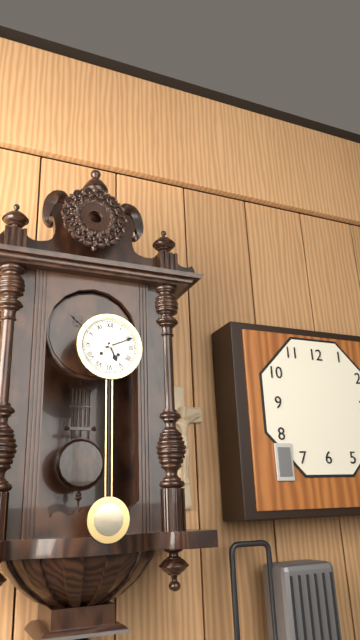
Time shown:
5,11
